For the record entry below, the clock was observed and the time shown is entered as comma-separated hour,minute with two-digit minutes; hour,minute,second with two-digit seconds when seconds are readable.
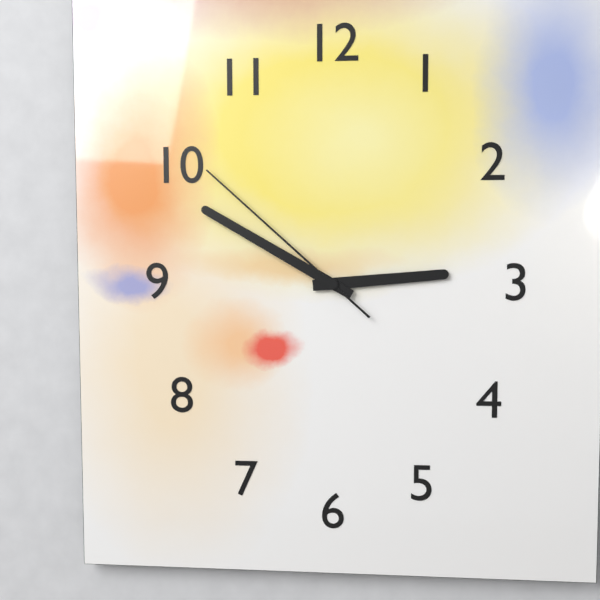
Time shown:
2,50,52
